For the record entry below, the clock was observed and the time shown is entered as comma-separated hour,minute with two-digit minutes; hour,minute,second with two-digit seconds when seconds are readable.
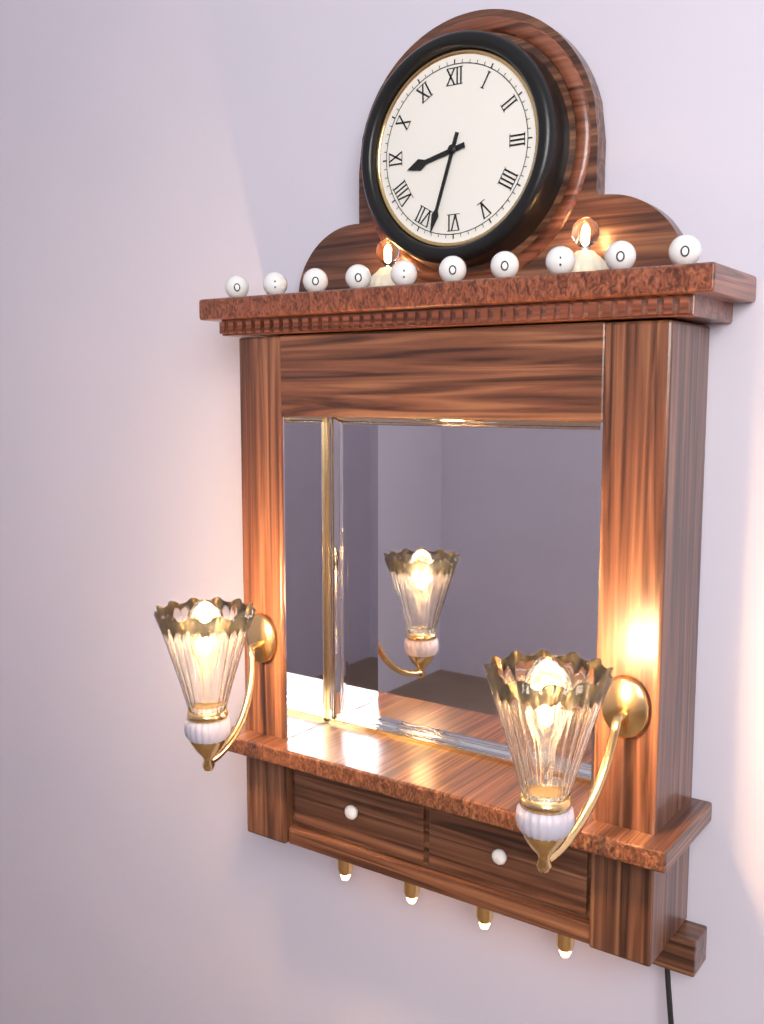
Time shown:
8,33
